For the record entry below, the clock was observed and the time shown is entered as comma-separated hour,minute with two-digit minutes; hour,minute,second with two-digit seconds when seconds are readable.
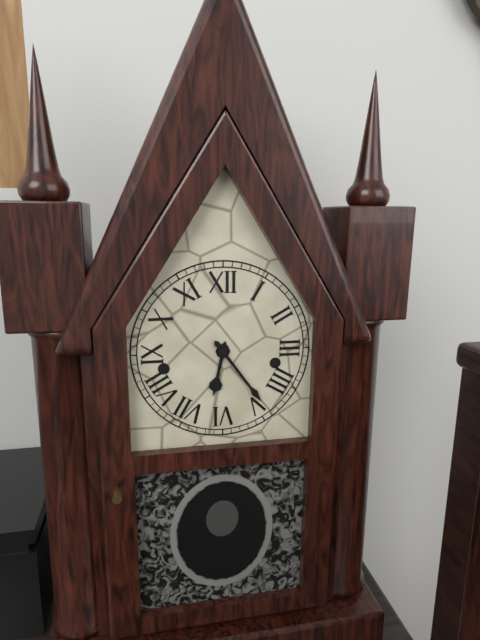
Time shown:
6,24
